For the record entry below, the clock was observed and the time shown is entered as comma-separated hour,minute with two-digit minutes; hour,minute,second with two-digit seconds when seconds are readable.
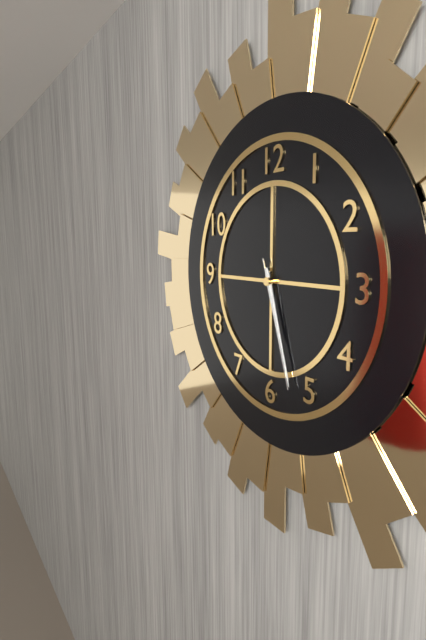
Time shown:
5,27,27
